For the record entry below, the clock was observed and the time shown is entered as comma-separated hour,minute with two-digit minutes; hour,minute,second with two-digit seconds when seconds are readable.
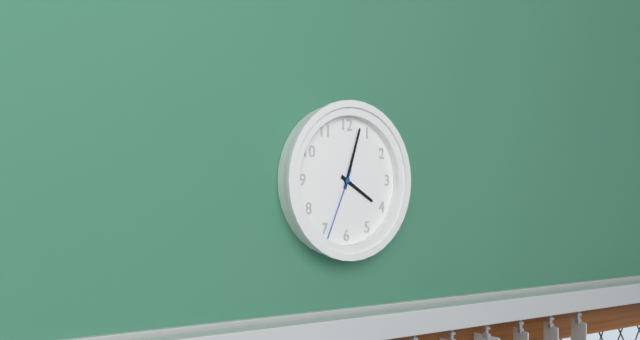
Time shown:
4,03,34
